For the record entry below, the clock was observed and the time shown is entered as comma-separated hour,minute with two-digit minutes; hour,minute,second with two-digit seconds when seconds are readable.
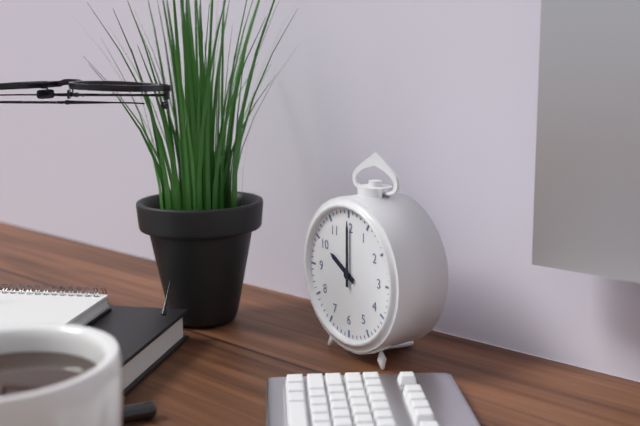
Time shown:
10,00
